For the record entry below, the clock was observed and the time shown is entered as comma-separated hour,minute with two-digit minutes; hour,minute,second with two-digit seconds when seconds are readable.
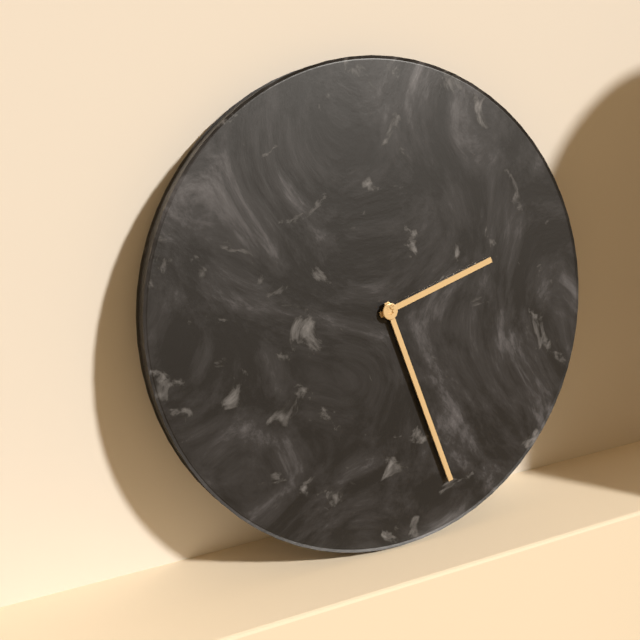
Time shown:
2,27
